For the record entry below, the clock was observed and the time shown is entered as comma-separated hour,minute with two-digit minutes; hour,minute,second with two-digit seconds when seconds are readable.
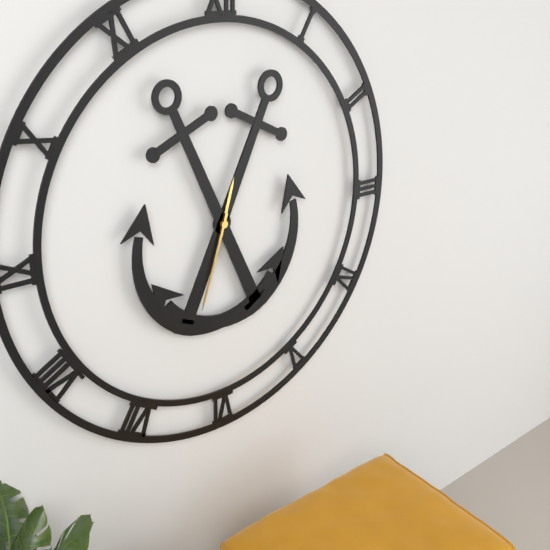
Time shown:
12,33
